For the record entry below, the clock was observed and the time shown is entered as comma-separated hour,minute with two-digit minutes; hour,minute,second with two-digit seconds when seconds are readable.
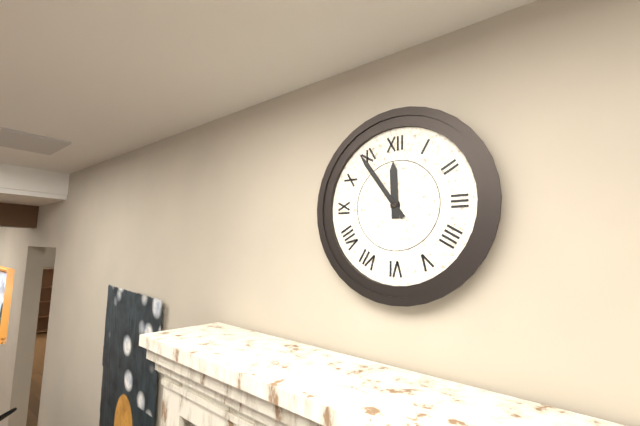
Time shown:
11,54
